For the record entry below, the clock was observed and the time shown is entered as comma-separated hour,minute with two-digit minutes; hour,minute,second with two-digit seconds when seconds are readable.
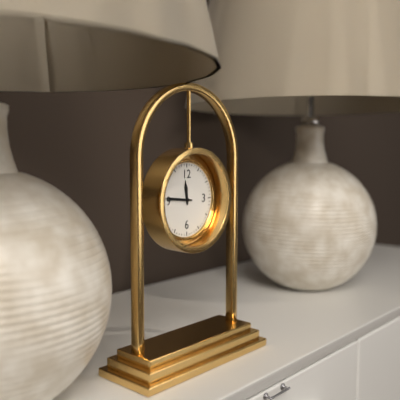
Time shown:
11,46
